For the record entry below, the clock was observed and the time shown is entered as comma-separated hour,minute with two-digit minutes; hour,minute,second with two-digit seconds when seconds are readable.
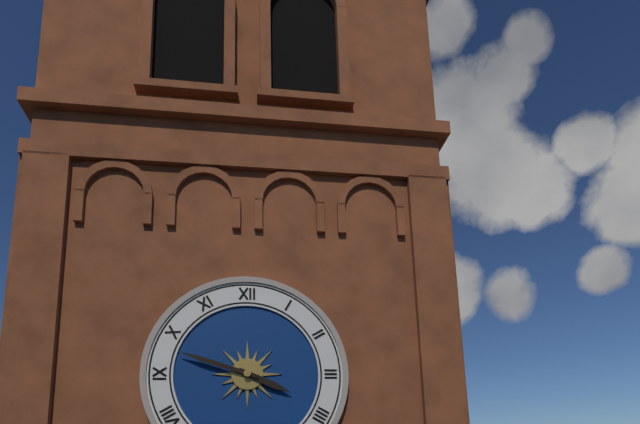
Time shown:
3,48
